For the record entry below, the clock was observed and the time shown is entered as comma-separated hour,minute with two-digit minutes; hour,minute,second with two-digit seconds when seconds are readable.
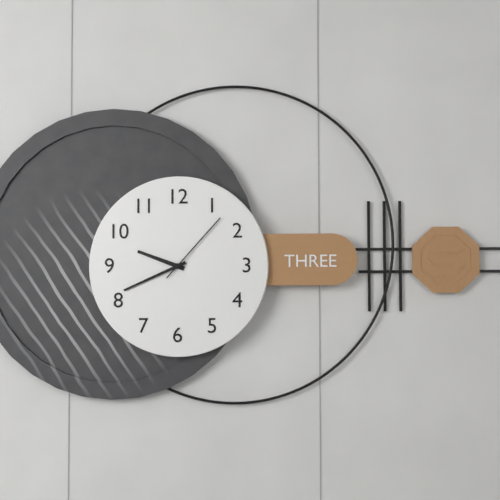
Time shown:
9,41,07
